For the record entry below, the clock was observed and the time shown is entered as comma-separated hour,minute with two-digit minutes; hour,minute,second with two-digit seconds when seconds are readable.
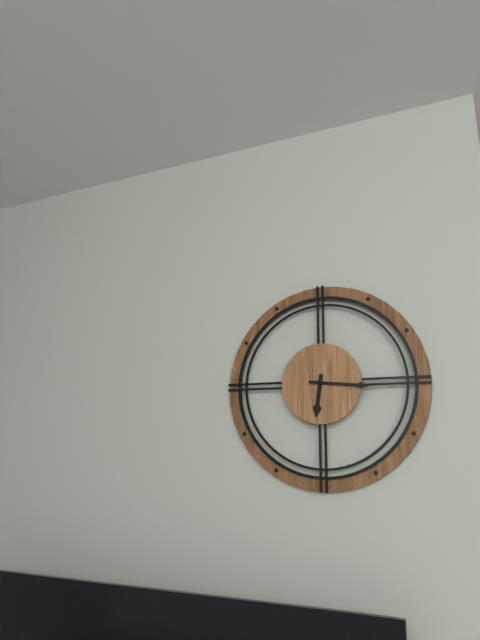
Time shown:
6,16
